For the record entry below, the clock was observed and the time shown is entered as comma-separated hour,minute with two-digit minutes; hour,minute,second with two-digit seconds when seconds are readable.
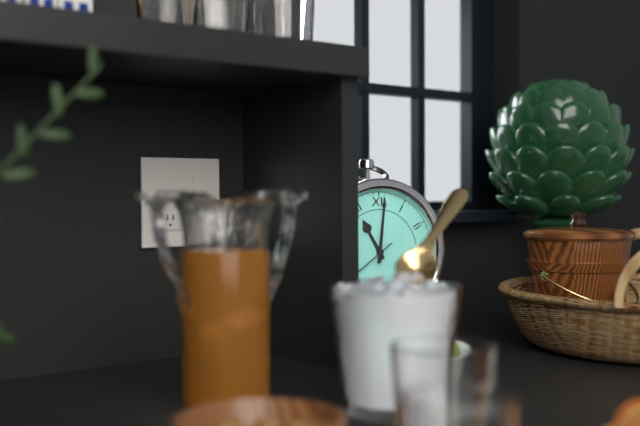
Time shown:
11,01
